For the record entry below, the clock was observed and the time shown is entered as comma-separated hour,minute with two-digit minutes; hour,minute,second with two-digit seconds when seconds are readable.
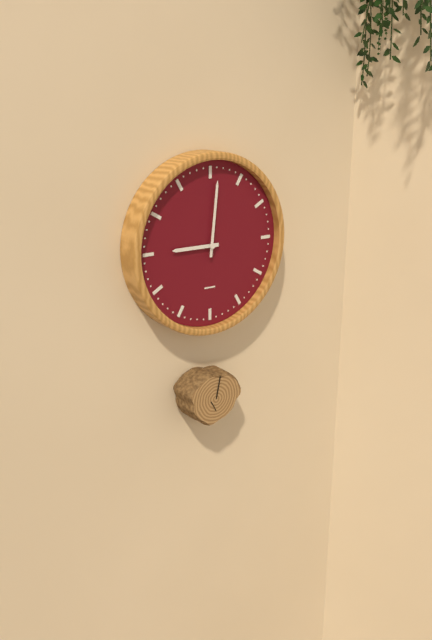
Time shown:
9,01
